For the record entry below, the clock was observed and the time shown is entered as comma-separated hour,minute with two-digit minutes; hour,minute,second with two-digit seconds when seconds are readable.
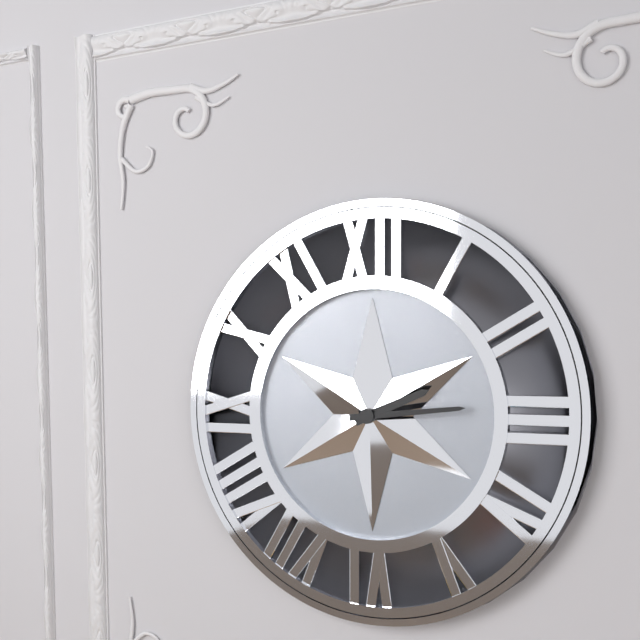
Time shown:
2,14
